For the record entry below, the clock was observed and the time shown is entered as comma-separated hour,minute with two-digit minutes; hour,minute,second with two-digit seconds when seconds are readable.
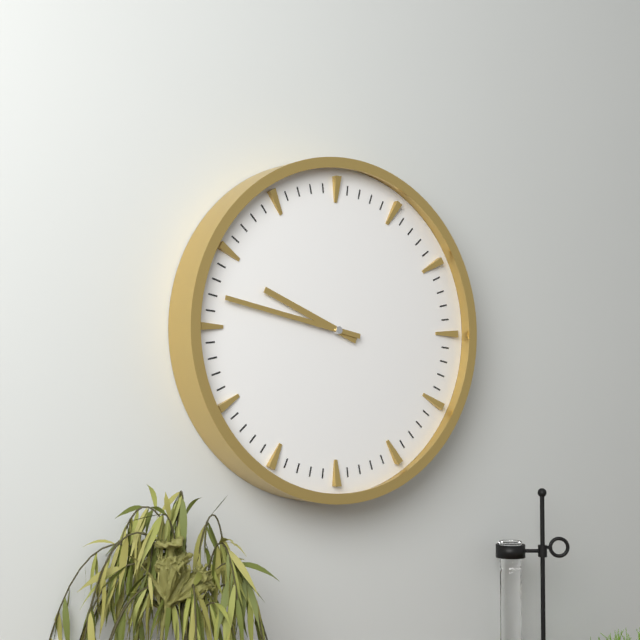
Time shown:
9,47
